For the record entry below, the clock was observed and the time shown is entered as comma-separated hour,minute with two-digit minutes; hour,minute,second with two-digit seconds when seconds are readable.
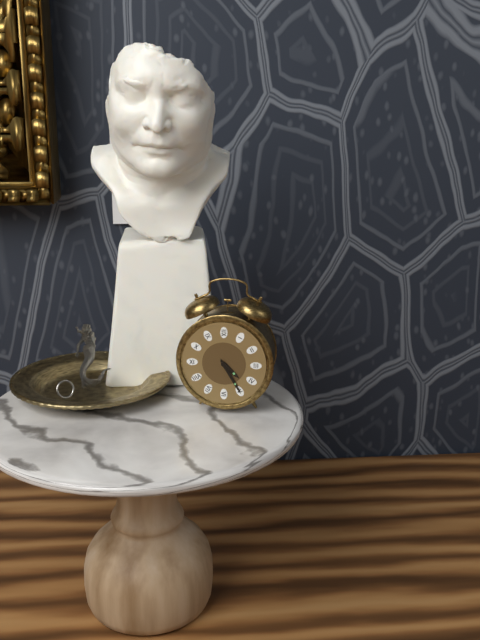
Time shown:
4,25
